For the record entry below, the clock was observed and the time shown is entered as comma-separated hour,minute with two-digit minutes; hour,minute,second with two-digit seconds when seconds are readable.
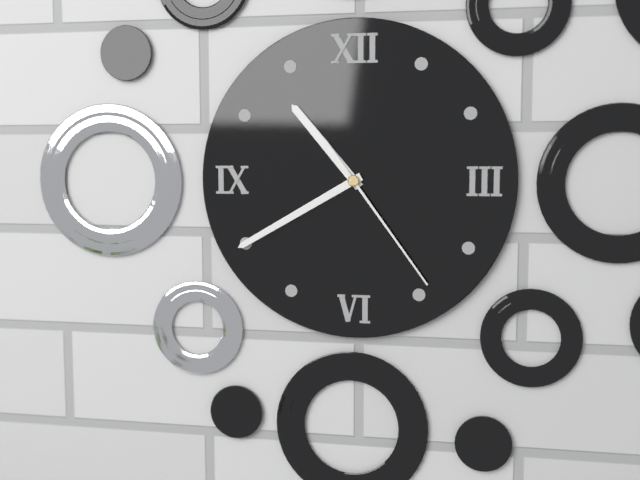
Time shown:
10,40,24
